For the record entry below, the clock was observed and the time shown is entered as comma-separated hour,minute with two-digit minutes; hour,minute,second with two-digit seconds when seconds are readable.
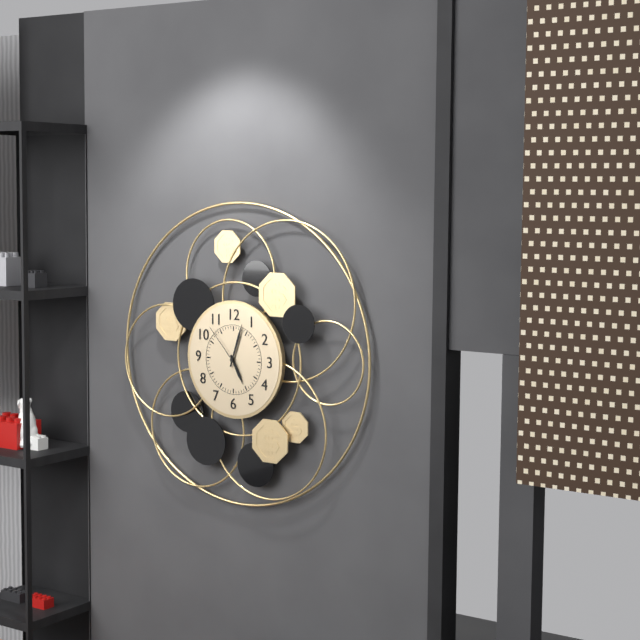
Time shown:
5,03,53
